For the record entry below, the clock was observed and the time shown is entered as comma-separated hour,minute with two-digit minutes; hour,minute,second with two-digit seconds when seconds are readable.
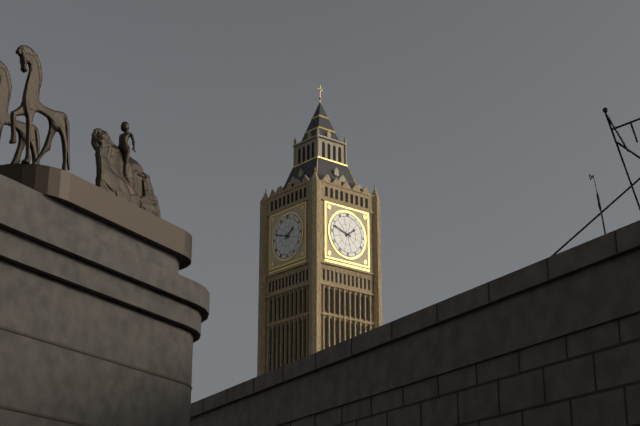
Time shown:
1,48
